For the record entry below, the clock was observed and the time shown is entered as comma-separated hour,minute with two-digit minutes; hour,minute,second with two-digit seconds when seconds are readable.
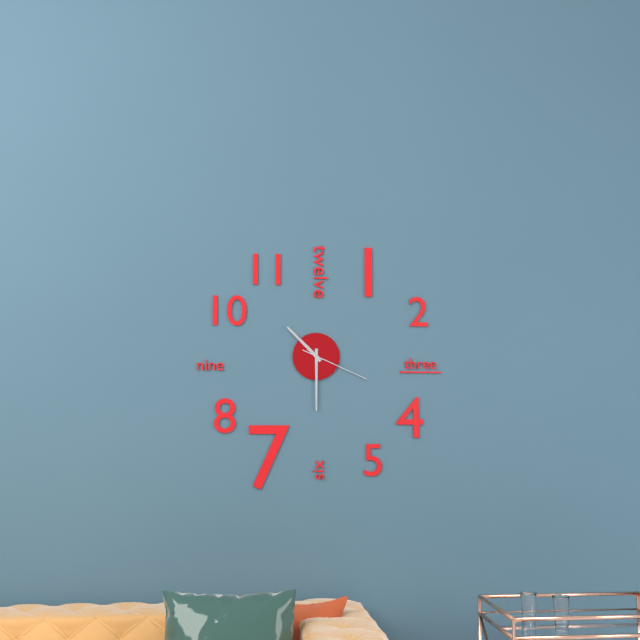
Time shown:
10,30,19
